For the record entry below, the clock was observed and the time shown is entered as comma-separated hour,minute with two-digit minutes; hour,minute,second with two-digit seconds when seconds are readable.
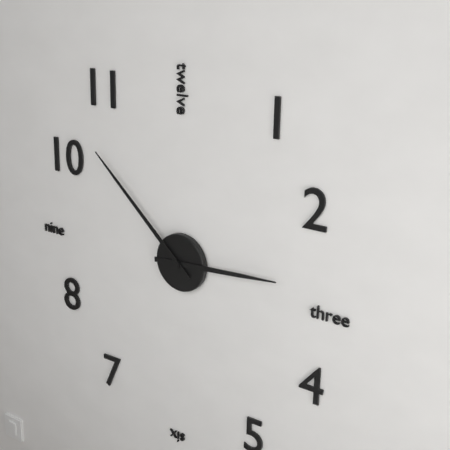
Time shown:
2,52
